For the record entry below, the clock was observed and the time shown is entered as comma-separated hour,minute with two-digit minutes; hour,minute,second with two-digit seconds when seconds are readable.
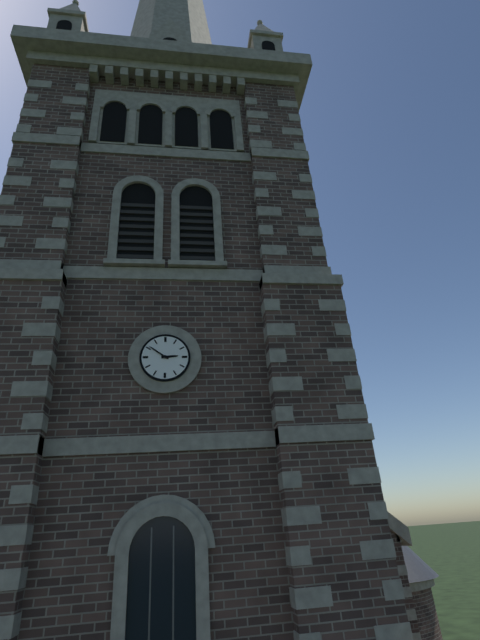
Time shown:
2,51
